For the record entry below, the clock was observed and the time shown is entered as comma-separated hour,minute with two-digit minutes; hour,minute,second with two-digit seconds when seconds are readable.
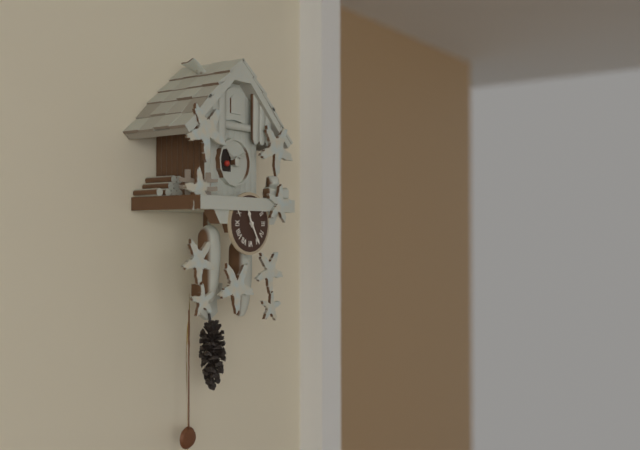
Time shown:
11,25
